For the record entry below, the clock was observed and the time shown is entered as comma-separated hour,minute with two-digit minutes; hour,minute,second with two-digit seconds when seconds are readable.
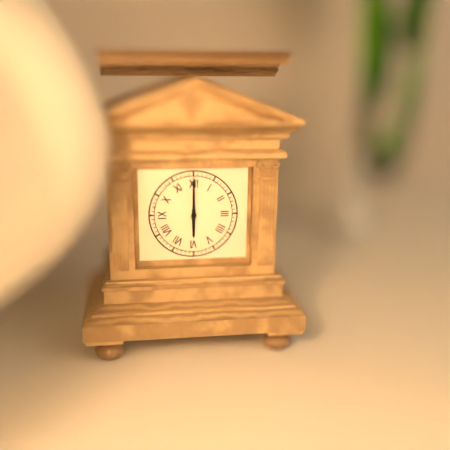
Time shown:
6,00
